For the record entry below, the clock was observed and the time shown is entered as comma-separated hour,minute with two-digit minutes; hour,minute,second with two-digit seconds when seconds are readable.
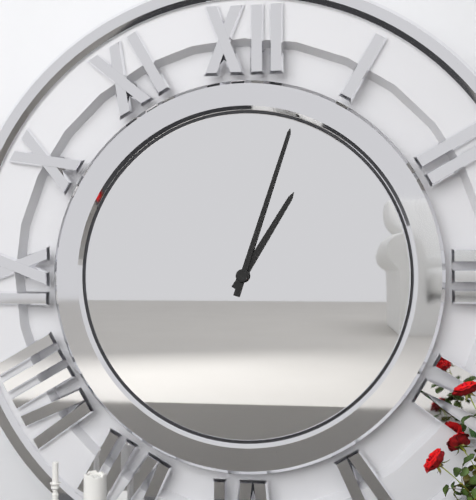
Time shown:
1,03
